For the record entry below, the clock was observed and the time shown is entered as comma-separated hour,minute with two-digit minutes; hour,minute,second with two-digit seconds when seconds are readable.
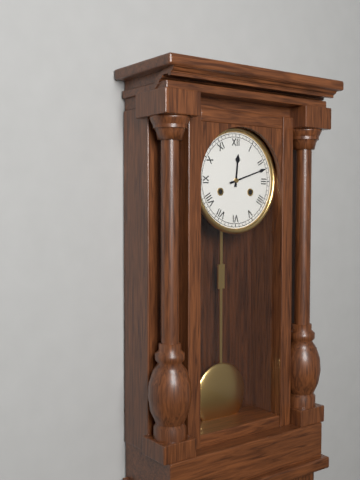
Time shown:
12,12
